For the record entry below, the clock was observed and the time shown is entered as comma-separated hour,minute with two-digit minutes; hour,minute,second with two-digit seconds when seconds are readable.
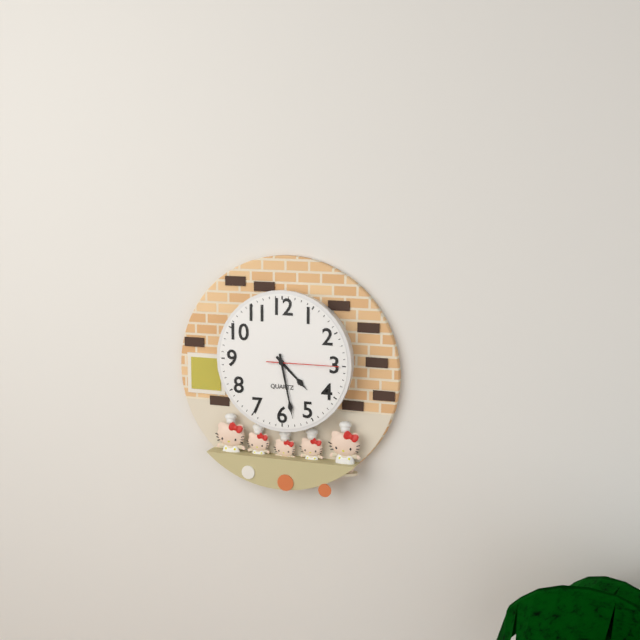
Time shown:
4,28,15
